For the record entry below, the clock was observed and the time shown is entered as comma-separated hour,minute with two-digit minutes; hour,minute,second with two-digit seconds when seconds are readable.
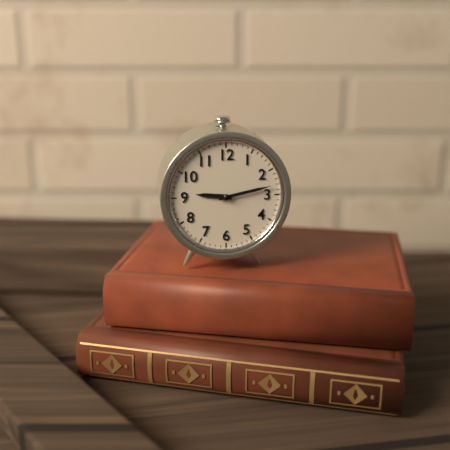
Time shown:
9,13
